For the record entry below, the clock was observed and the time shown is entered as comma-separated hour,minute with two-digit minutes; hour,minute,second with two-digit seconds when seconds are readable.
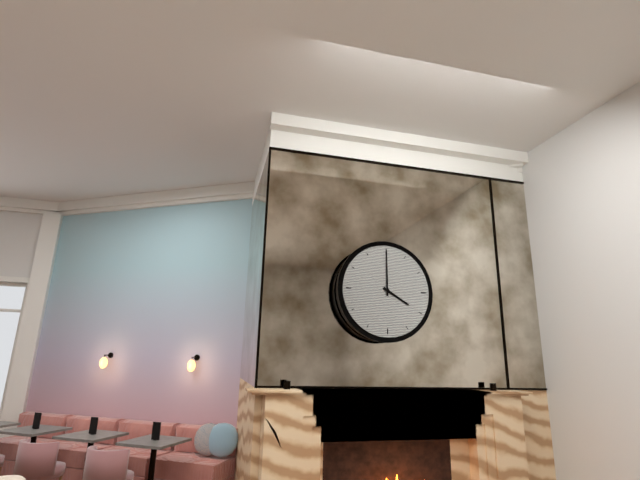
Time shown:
4,00
